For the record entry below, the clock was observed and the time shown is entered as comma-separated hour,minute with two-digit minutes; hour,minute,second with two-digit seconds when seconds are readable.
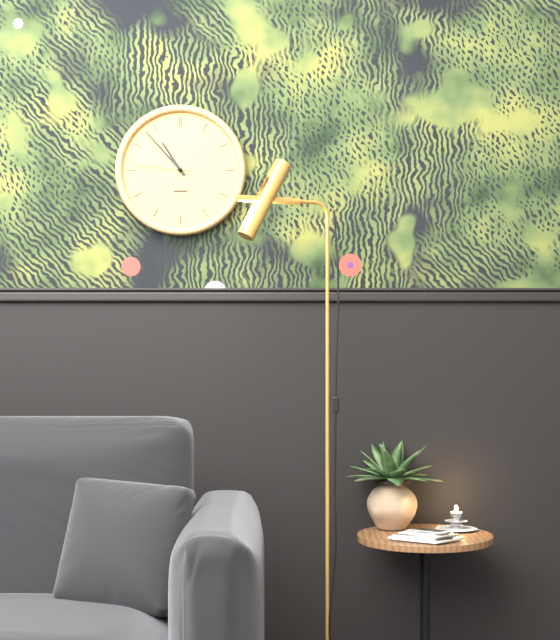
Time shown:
10,53,46
